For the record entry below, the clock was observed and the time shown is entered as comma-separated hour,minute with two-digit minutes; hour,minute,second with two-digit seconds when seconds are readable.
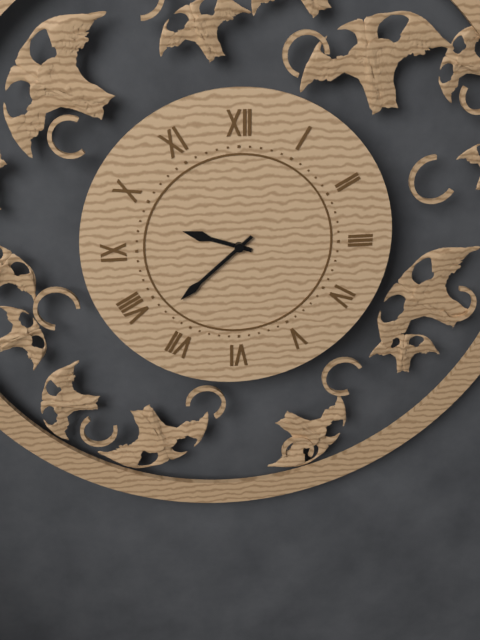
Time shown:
9,38
